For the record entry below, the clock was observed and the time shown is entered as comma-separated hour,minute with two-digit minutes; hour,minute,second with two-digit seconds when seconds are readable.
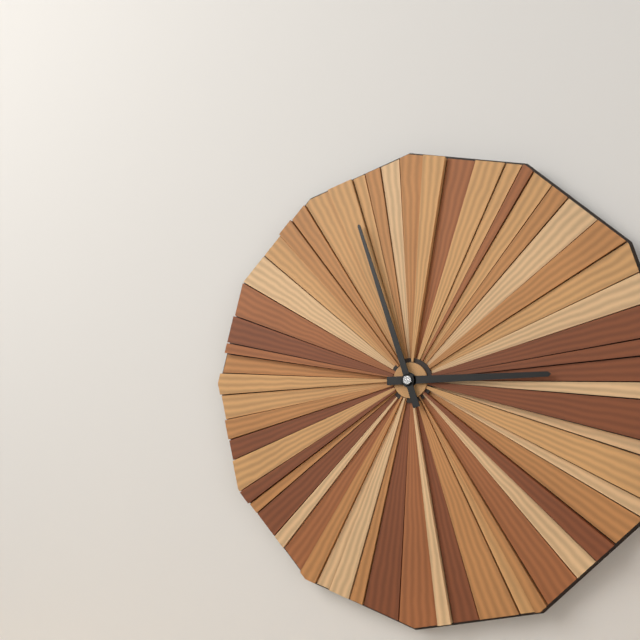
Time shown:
2,57
